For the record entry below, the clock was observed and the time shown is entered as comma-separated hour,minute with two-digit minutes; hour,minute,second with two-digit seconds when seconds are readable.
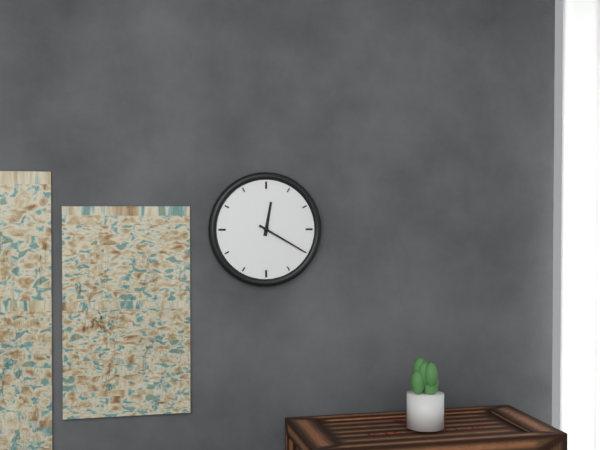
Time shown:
12,20
